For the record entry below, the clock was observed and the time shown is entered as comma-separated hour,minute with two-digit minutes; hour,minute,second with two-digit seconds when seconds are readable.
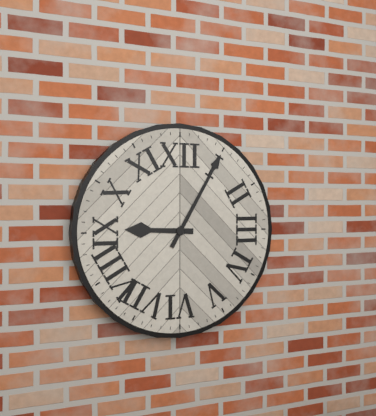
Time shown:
9,05
